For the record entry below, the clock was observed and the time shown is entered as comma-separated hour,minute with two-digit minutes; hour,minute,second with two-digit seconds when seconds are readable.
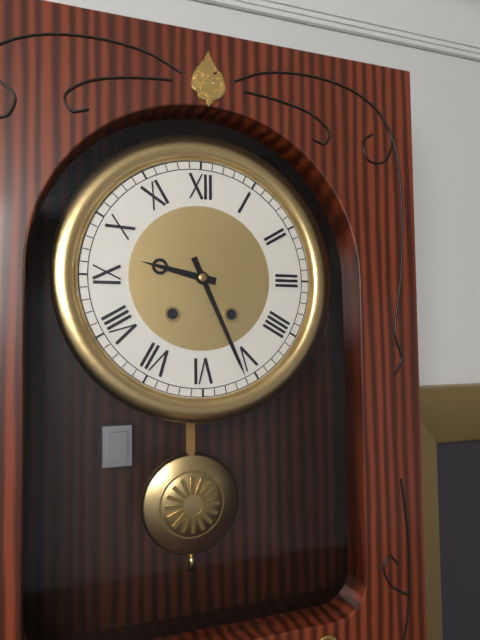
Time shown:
9,26
